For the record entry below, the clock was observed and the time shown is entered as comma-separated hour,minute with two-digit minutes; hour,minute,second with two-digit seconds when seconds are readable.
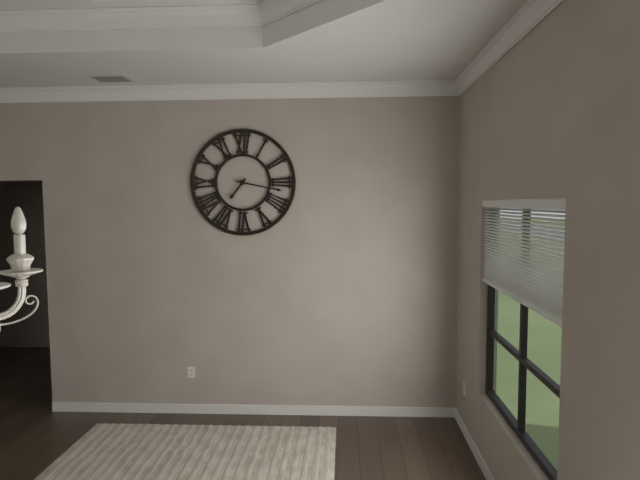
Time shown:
7,17
